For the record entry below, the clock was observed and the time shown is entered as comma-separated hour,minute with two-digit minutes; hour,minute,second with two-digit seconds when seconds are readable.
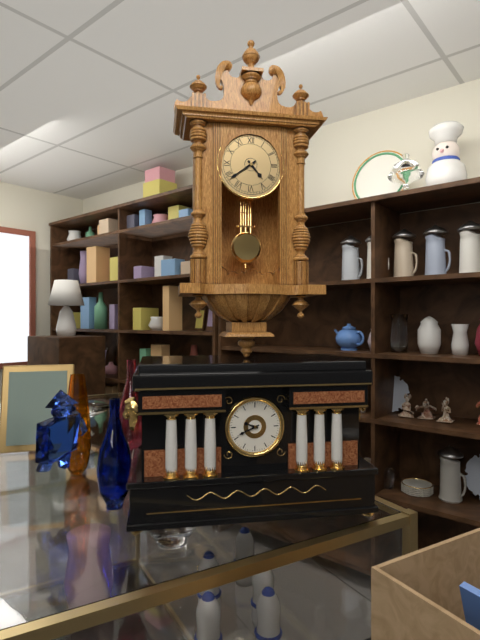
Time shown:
4,39
